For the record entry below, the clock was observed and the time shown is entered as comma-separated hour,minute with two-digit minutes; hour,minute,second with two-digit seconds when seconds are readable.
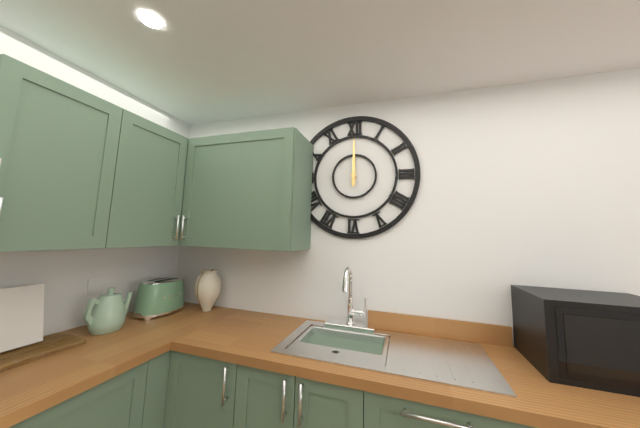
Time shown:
12,00
